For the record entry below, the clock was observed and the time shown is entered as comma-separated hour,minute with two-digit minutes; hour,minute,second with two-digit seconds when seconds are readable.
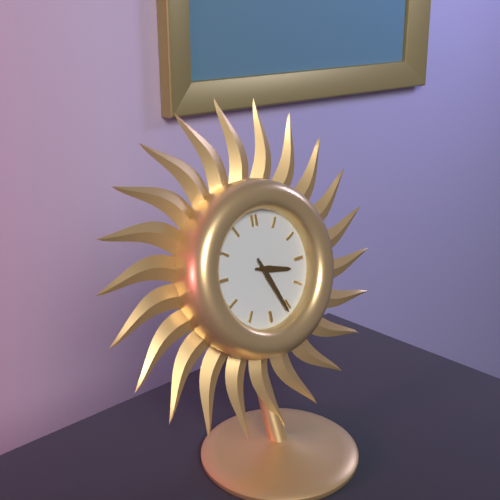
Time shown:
3,26
